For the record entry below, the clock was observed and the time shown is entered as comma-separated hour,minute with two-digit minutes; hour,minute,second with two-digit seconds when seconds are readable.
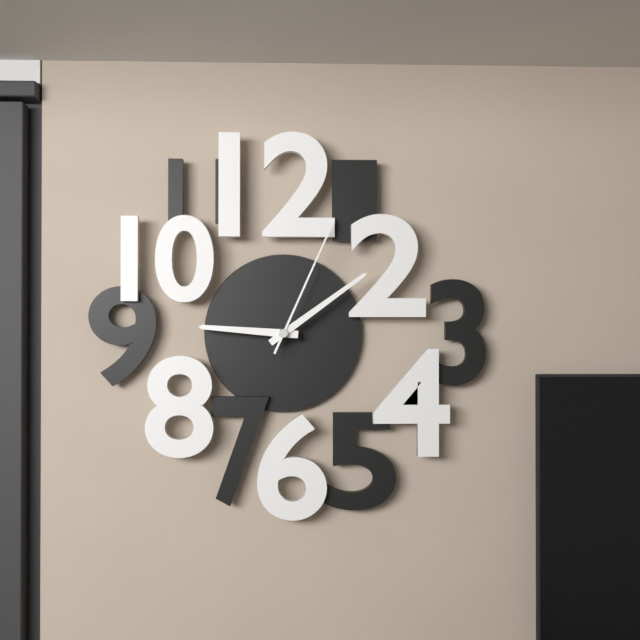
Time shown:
9,09,04
